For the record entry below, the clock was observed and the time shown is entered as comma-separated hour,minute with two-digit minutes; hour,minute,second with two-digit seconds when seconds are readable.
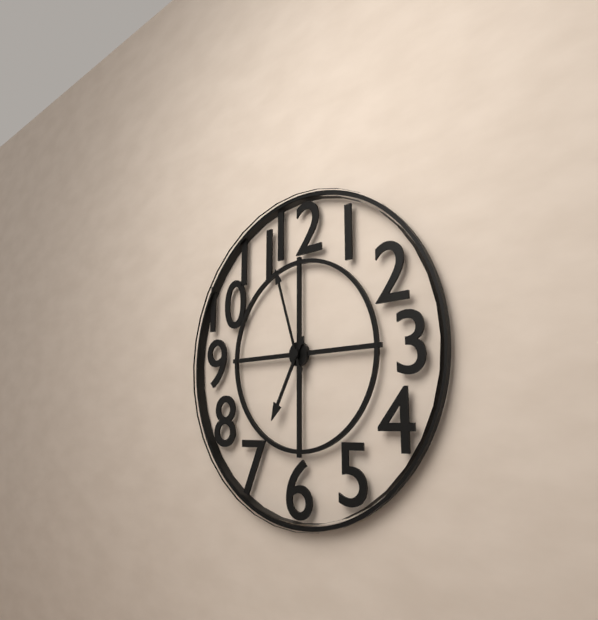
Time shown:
6,57
